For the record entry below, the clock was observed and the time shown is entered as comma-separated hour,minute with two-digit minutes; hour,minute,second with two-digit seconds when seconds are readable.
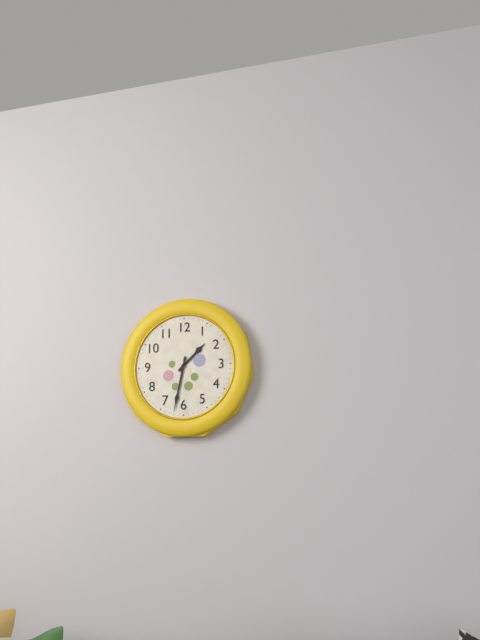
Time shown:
1,32
